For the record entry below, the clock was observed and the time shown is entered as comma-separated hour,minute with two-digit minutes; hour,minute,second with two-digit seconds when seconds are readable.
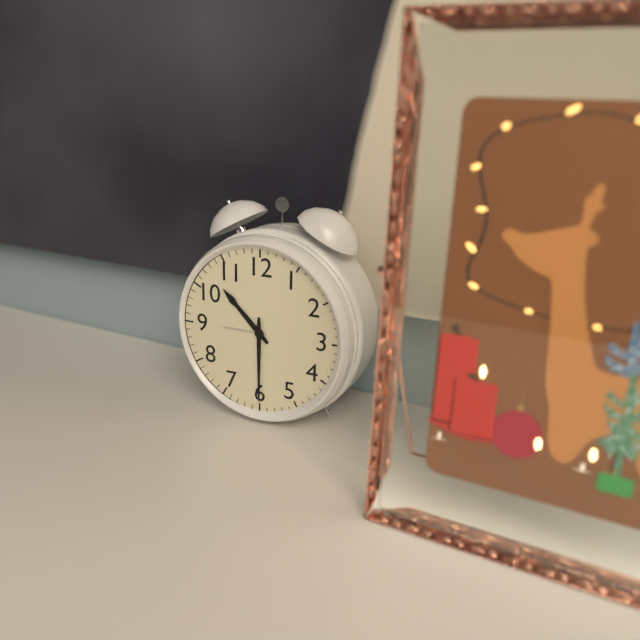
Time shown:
10,30
